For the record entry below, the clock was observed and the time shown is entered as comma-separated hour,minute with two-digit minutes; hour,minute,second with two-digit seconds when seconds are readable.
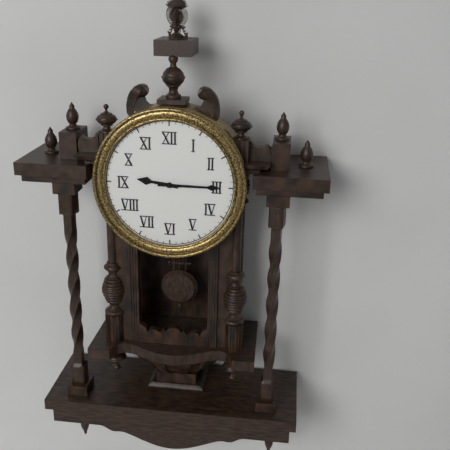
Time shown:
9,15
